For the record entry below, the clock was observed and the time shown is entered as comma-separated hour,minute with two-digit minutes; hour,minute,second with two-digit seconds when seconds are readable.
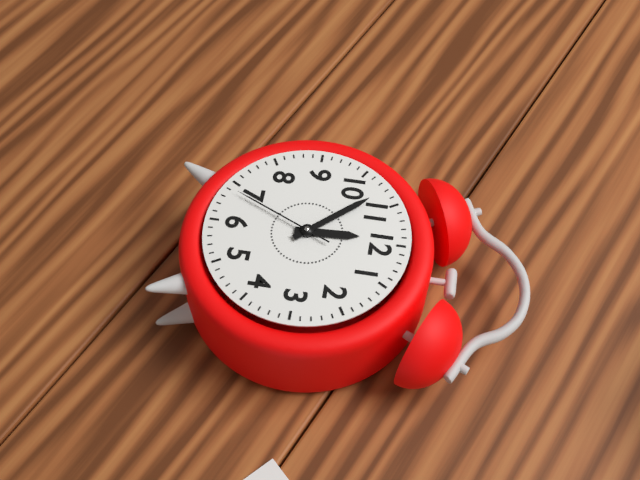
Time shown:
11,53,34
